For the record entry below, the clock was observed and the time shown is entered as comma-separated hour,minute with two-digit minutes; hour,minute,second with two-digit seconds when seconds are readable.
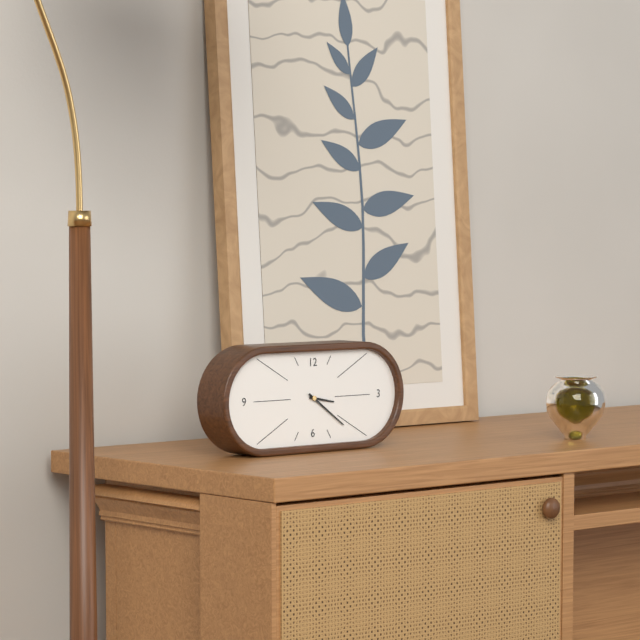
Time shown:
3,21
